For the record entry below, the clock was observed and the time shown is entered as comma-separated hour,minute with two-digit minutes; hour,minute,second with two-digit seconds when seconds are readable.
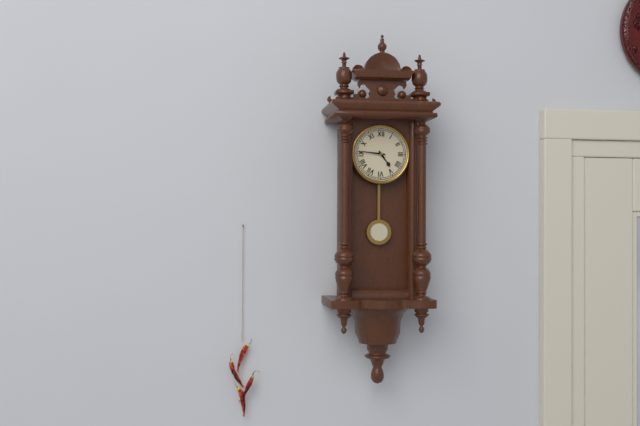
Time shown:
4,46
